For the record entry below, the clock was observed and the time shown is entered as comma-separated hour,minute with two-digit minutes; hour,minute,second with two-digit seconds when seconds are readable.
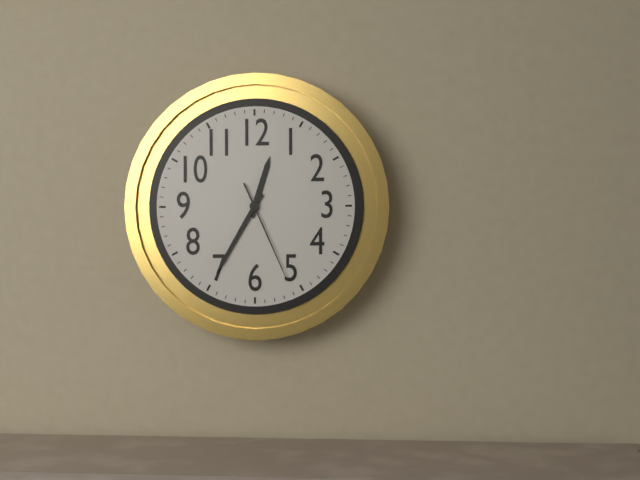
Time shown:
12,35,26
